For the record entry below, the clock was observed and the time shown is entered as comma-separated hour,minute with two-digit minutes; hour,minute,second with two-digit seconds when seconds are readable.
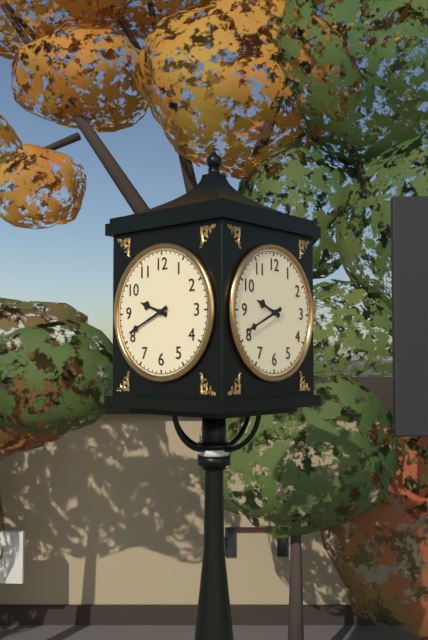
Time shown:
9,41
